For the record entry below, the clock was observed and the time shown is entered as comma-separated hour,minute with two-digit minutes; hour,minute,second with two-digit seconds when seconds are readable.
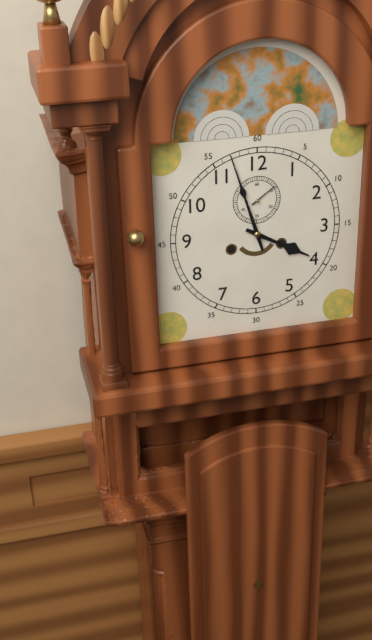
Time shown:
3,57
